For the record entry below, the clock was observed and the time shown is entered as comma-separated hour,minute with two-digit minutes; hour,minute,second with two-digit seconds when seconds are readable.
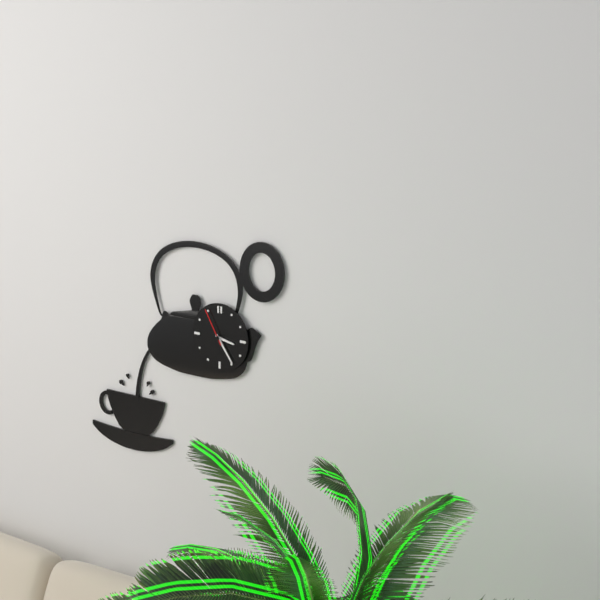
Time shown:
3,24
